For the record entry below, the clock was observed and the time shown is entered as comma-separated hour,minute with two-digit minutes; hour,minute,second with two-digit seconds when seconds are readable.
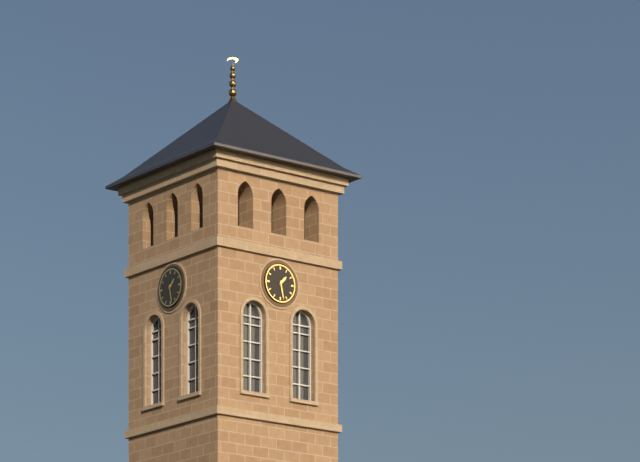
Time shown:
1,28
